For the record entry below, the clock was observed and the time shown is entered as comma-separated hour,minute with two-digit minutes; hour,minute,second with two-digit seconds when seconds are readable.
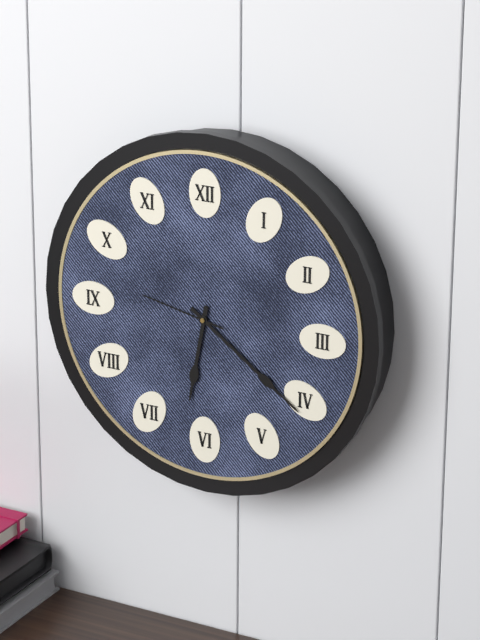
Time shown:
6,21,47
